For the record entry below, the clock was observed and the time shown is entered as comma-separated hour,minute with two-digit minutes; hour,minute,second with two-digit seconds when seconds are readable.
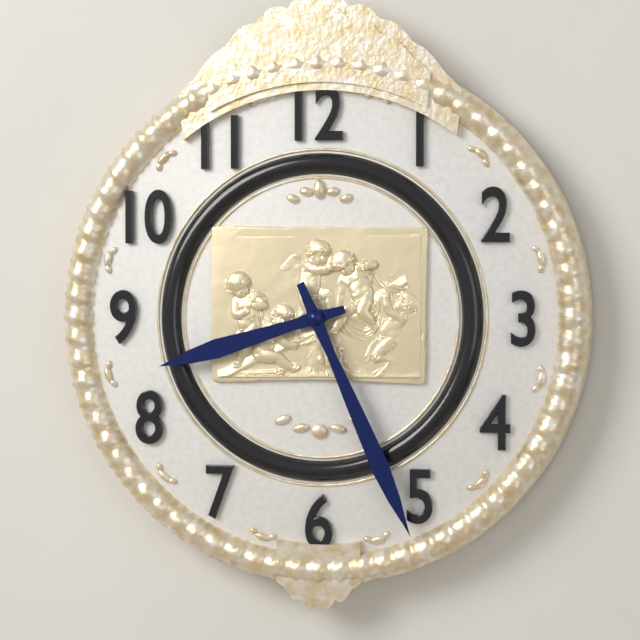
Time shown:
8,26
